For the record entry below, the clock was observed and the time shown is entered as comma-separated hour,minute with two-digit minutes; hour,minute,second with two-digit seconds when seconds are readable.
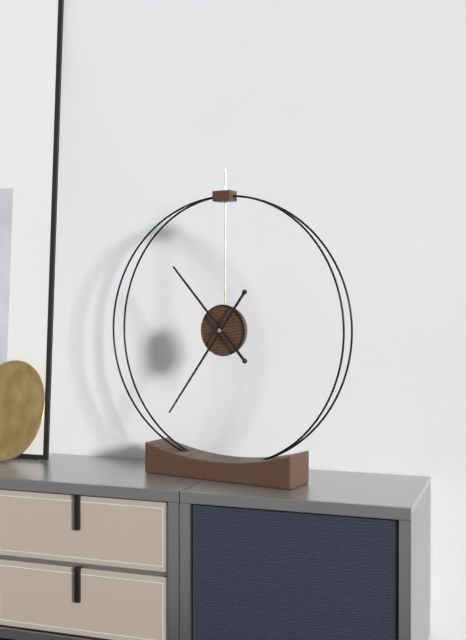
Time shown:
10,36
